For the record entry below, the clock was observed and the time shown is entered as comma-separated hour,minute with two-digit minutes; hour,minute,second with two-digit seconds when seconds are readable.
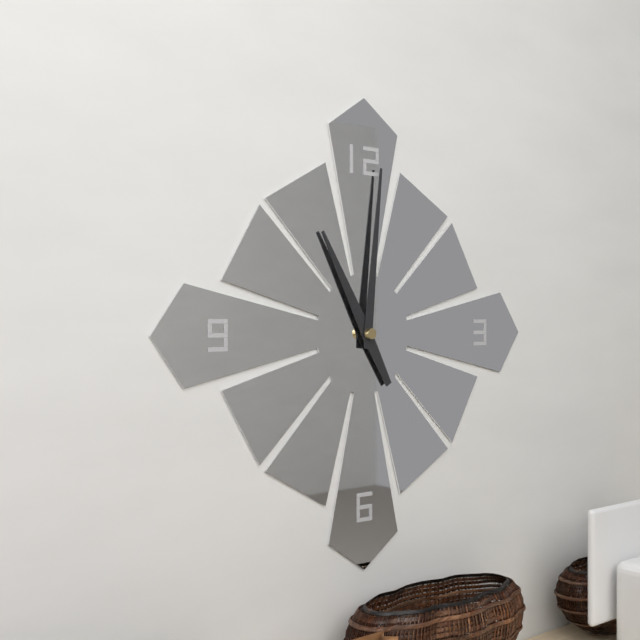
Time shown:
11,01
